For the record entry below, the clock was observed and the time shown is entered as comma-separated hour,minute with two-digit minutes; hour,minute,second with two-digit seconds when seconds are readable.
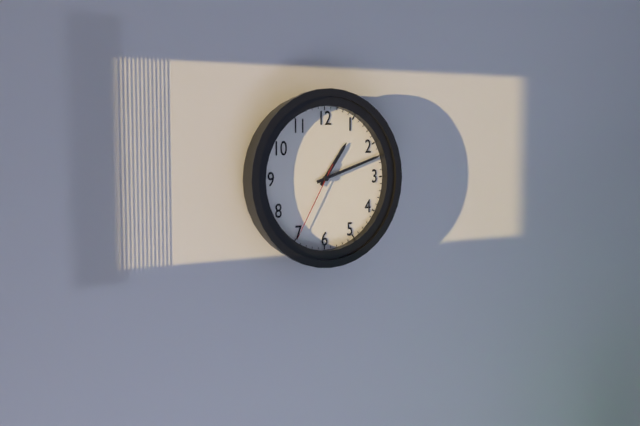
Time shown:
1,12,35
